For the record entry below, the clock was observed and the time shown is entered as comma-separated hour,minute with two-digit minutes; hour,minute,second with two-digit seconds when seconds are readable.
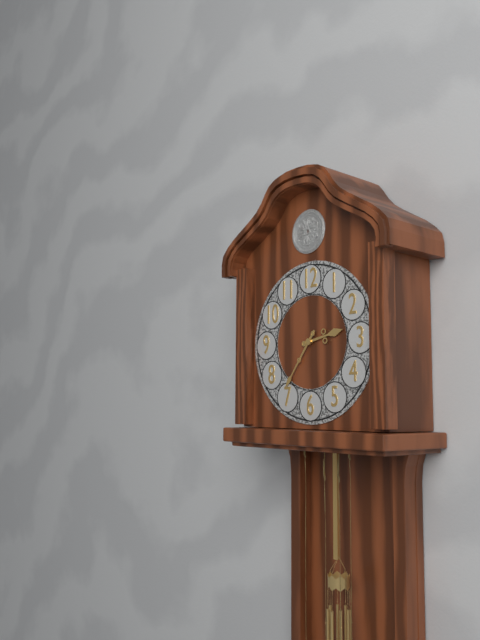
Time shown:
2,36
